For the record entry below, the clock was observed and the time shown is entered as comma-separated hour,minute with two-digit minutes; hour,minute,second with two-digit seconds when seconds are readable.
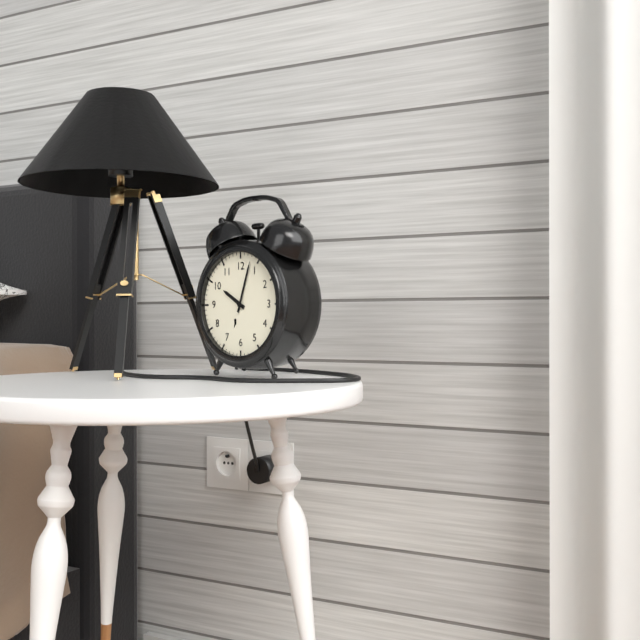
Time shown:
10,03
